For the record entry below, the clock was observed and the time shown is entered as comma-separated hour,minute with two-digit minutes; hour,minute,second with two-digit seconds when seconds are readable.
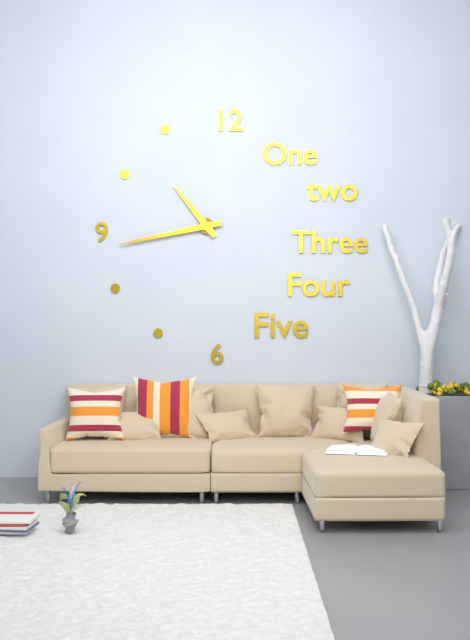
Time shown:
10,43
